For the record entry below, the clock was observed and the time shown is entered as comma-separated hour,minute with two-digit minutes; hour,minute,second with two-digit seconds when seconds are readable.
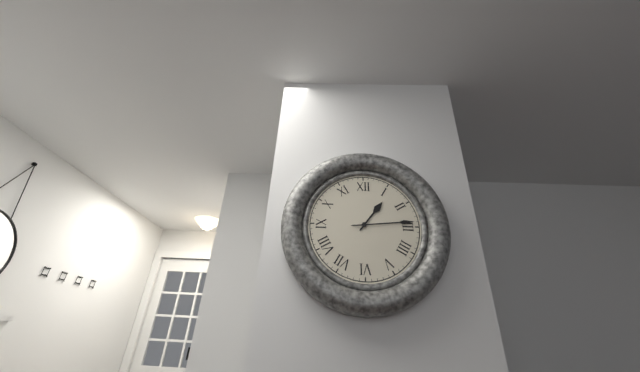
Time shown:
1,14
